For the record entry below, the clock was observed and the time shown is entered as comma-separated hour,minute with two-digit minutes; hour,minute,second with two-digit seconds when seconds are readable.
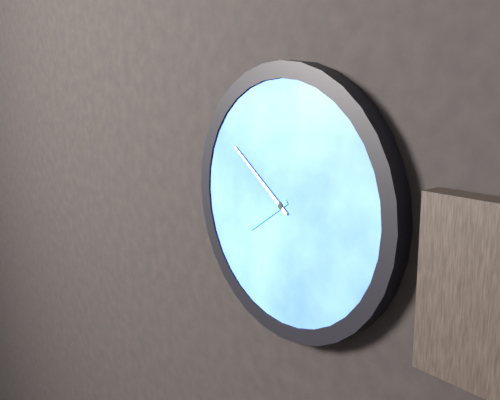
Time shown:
7,51
